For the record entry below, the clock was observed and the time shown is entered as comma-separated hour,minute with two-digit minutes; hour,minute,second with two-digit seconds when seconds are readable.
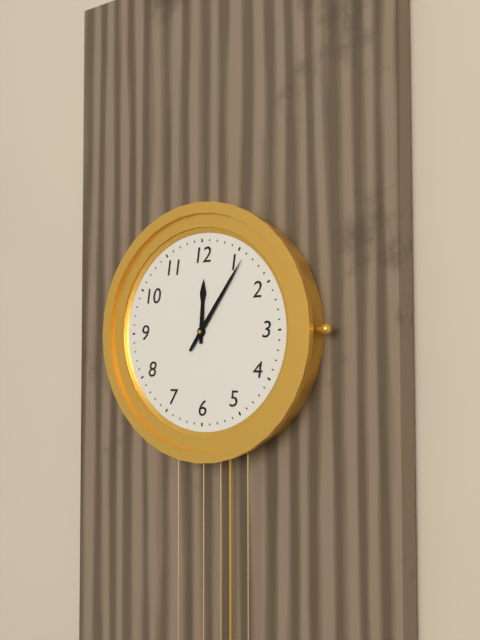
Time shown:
12,06
